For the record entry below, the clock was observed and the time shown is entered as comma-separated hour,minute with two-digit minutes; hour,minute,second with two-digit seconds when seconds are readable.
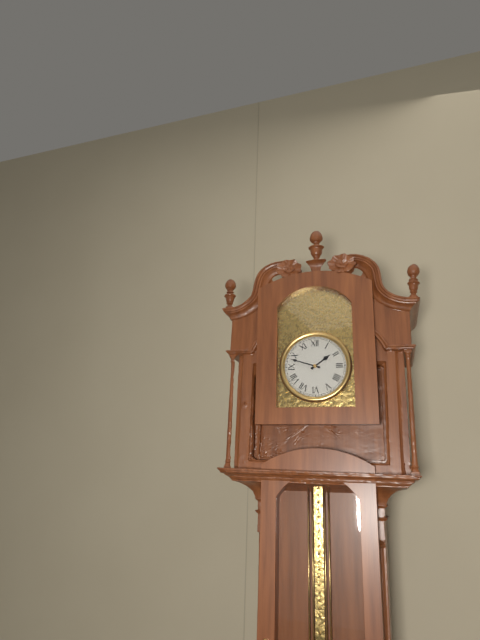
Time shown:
1,48
